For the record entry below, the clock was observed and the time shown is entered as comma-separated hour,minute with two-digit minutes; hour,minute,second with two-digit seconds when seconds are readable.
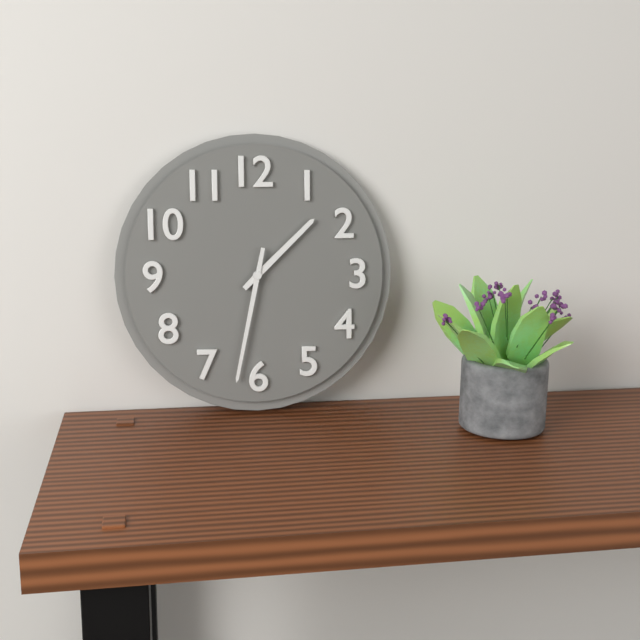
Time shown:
1,32
